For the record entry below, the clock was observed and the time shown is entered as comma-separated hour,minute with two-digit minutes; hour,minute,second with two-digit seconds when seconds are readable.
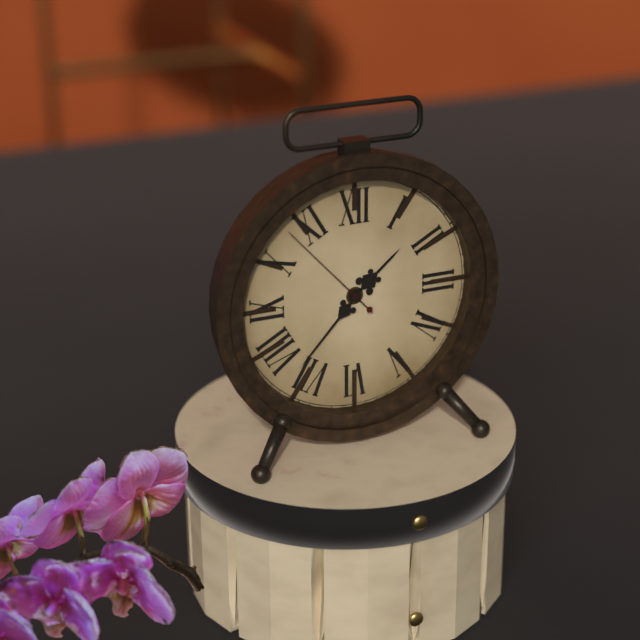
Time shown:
1,37,53
